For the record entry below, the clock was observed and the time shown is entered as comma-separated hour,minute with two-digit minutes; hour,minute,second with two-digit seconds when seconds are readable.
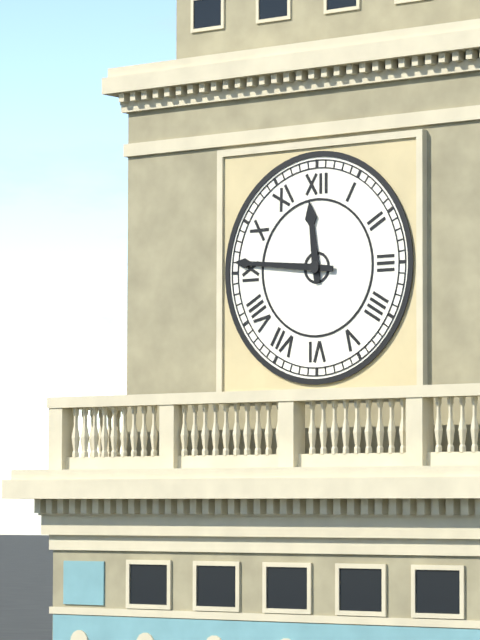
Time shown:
11,46
